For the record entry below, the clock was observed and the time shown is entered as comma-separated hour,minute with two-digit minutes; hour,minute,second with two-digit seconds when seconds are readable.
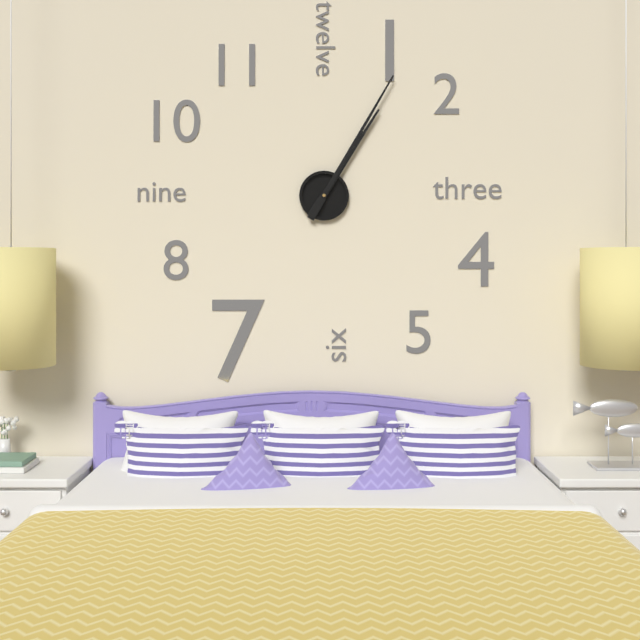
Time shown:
1,05
